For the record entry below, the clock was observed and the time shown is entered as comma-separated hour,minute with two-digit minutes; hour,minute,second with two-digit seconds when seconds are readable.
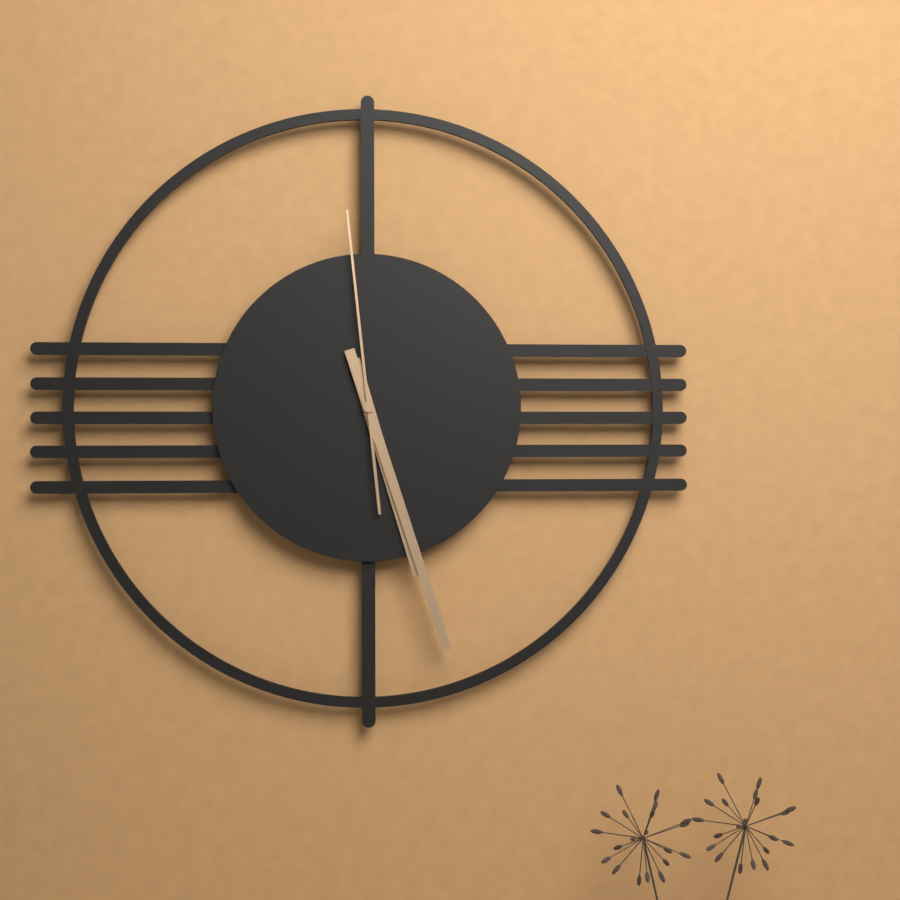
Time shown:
5,27,59
